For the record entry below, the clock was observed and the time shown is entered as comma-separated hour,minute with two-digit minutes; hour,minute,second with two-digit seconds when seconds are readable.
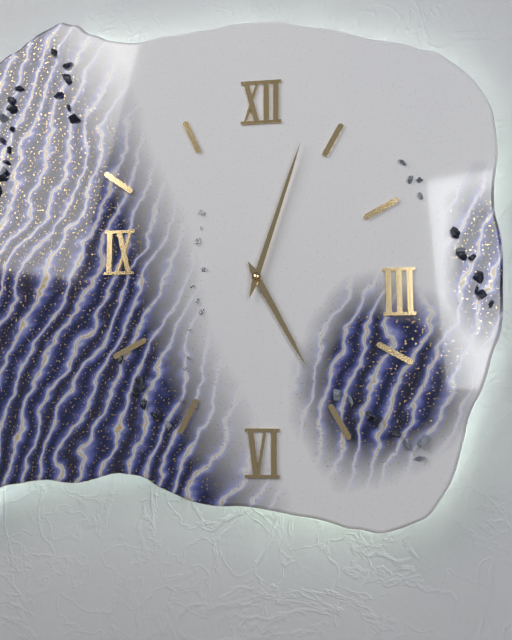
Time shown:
5,03
